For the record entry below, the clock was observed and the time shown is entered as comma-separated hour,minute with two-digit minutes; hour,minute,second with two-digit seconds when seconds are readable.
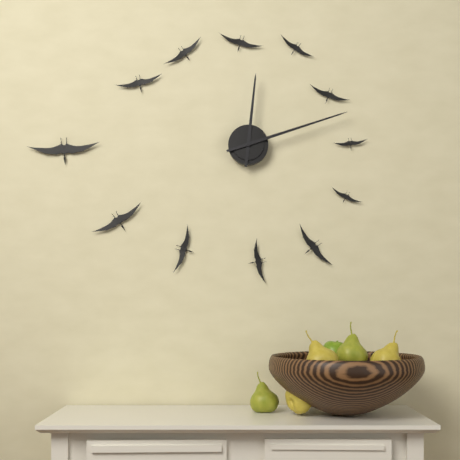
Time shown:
12,12
